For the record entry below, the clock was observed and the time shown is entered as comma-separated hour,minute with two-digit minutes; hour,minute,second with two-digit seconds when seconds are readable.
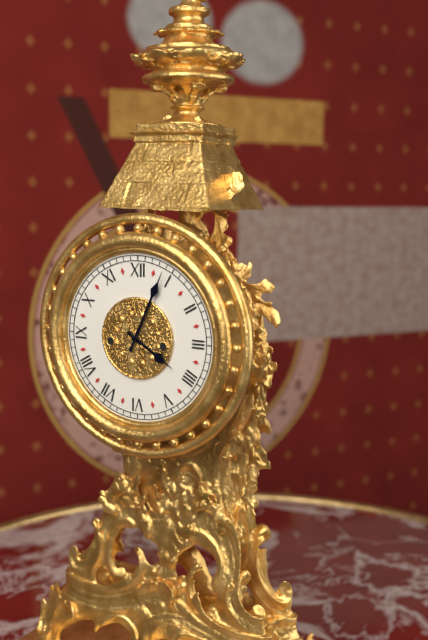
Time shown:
4,04
